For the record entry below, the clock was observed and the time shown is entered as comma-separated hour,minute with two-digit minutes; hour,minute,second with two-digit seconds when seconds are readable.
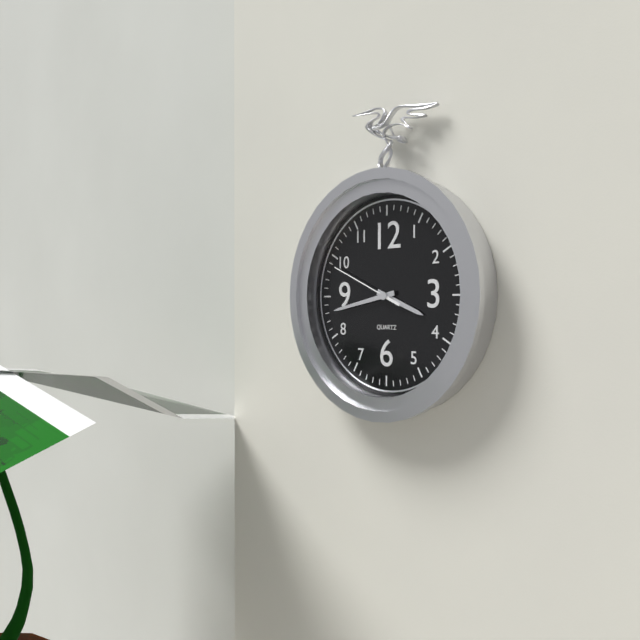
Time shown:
3,43,49
